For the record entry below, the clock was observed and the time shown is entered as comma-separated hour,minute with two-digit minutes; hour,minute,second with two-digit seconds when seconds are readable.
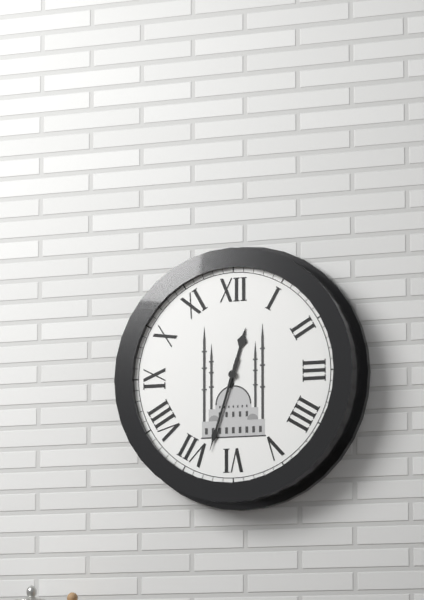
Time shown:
12,33
